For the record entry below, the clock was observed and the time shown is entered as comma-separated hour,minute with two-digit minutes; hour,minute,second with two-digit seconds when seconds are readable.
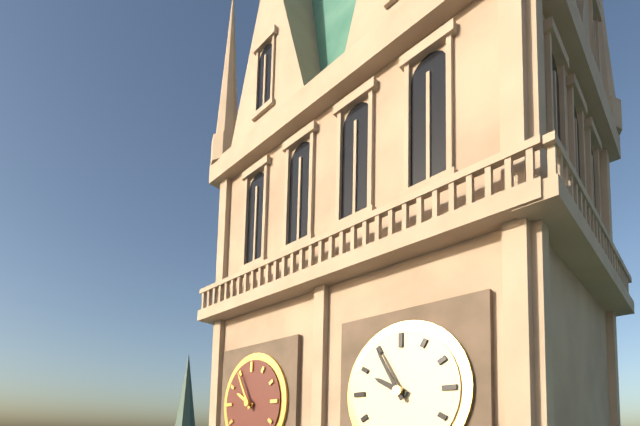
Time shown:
9,55
